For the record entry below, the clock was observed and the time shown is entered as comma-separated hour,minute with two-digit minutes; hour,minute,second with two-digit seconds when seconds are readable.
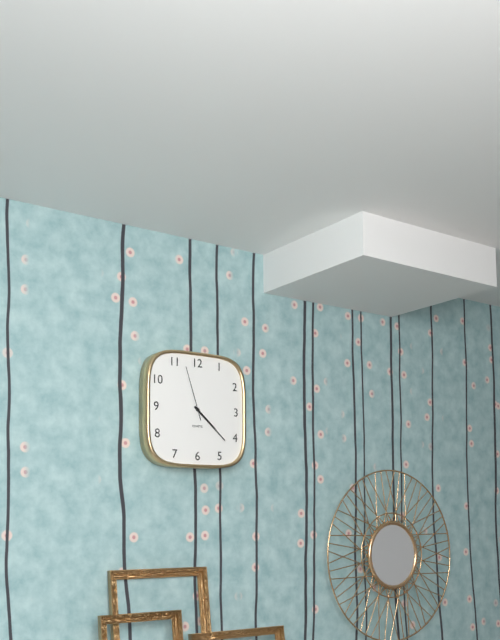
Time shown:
4,22,57
